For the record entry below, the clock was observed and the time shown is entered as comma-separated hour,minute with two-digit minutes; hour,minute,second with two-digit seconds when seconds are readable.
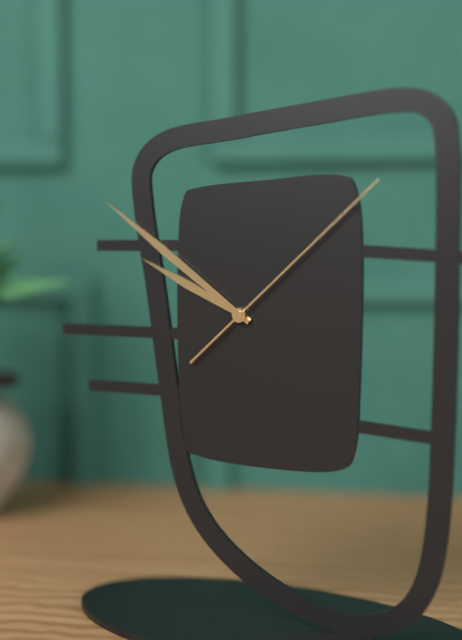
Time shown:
9,51,08
